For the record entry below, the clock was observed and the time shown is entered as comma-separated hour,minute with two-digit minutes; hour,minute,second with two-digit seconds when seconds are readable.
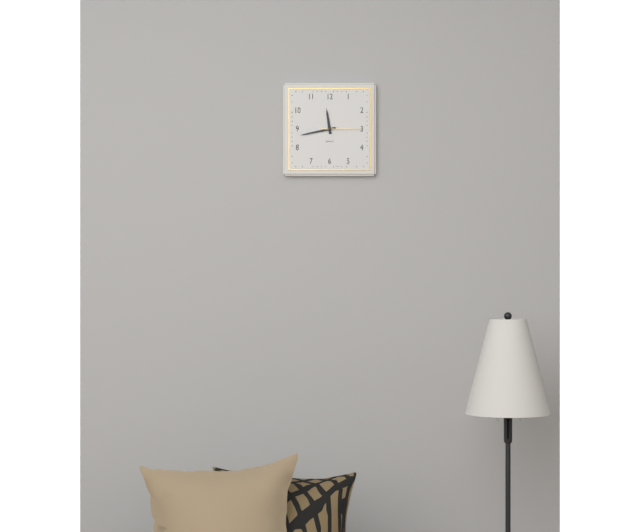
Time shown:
11,43
